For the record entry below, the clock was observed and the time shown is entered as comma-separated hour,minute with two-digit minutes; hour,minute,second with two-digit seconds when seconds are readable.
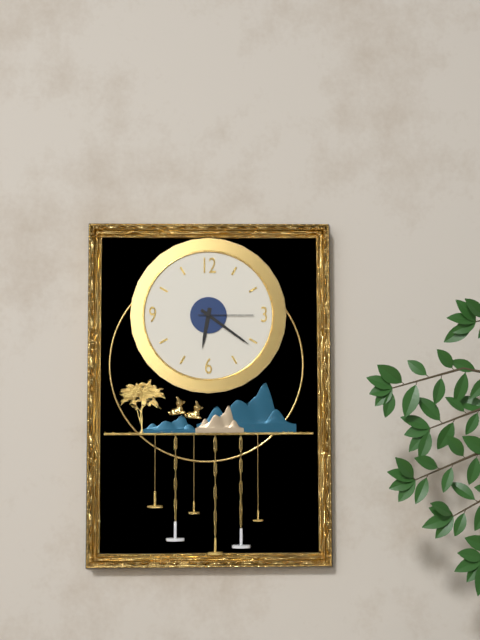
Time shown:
6,21,15
